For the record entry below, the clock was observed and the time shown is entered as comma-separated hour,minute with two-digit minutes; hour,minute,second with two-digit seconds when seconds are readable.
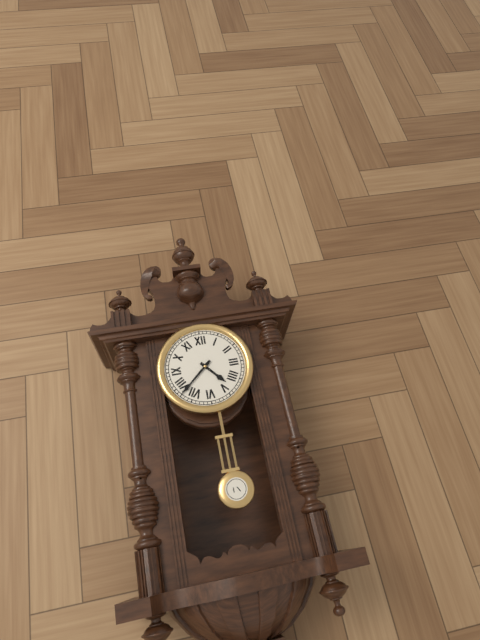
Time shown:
4,38
